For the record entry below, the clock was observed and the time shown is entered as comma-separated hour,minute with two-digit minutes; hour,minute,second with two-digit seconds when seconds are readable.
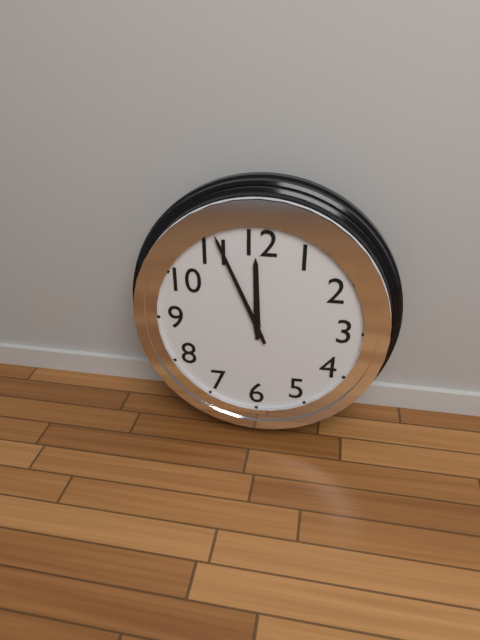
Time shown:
11,56
